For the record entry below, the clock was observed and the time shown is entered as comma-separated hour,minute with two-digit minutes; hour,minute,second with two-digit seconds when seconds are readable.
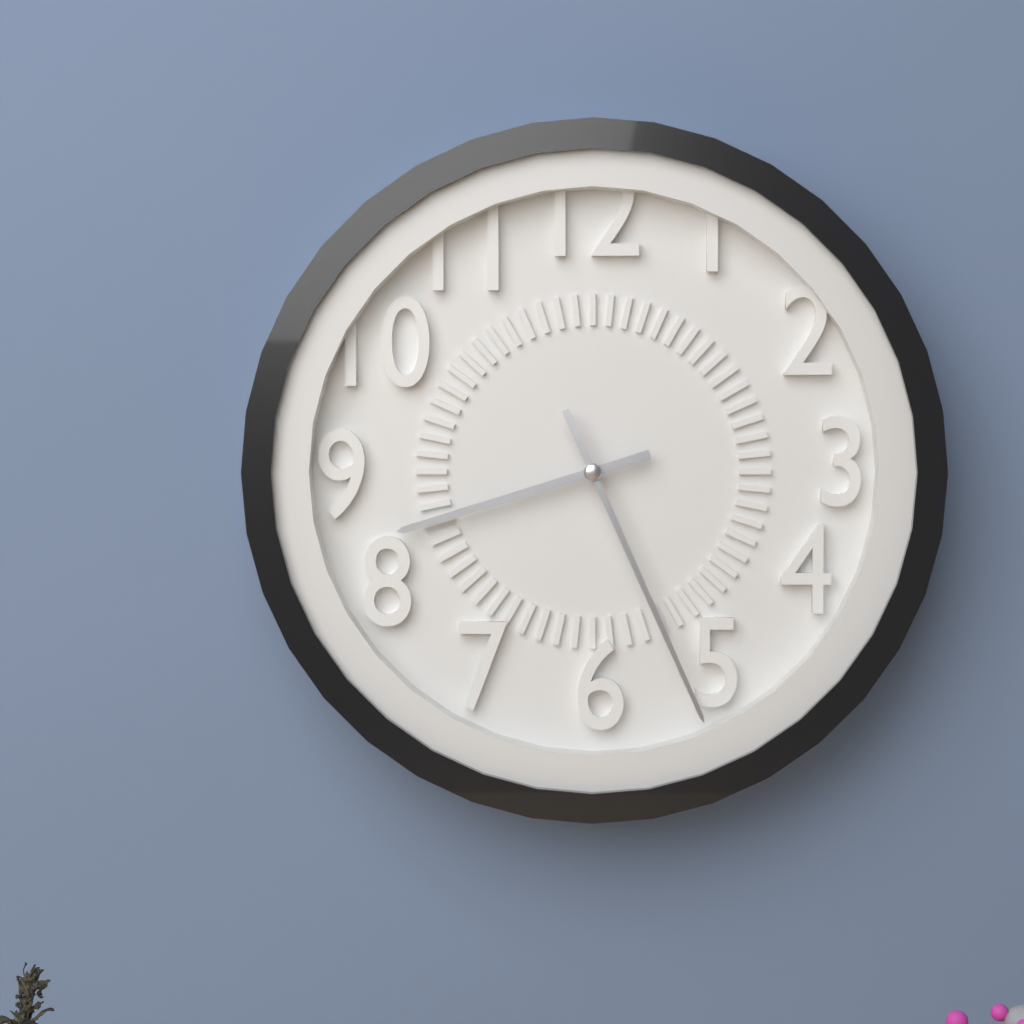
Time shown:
8,26
